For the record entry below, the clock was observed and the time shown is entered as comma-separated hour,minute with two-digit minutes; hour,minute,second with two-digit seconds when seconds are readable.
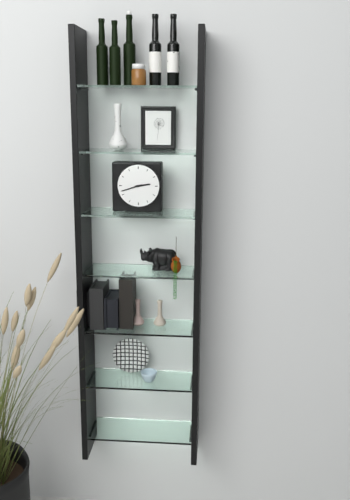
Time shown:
2,42
